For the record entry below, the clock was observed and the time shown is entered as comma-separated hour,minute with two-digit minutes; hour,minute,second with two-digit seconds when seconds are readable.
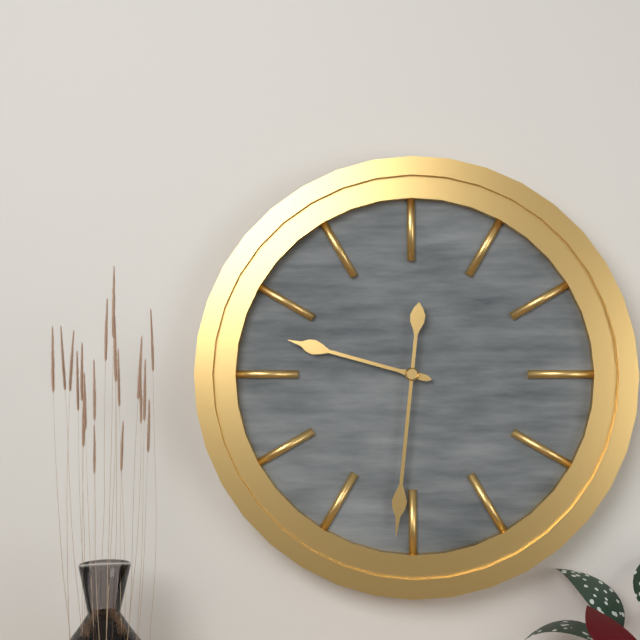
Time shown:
9,31
